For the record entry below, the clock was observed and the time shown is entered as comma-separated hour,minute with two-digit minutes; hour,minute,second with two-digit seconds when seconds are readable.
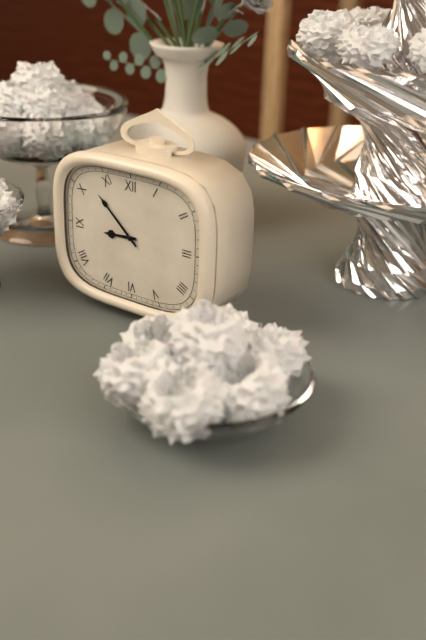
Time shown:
8,52
